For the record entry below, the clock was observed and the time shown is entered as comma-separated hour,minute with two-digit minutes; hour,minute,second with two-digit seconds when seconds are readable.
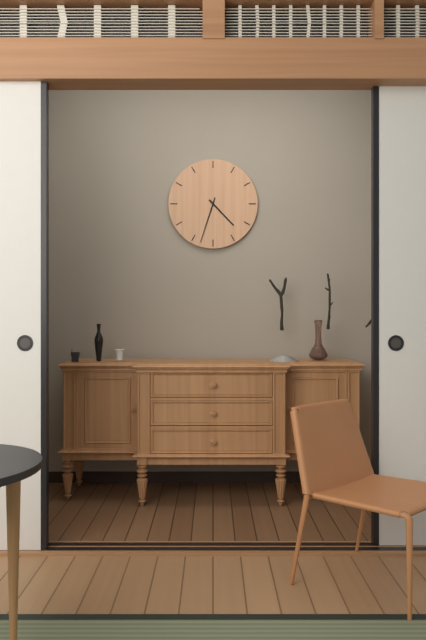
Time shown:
4,33
